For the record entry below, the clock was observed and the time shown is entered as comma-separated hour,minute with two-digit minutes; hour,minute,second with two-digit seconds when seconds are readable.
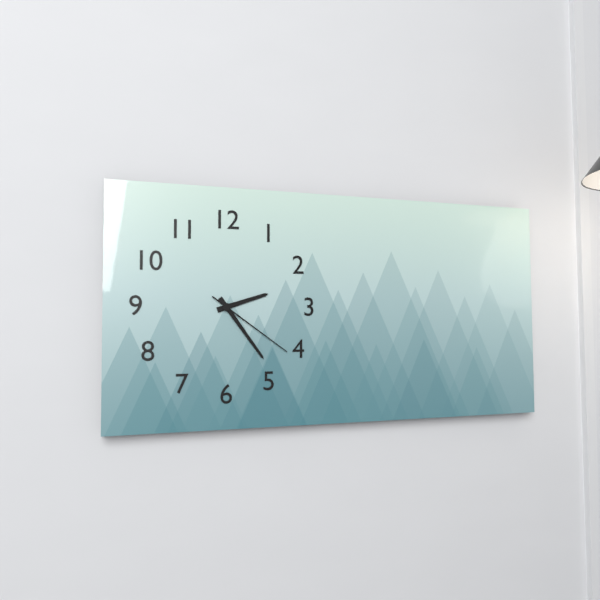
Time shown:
2,24,21
